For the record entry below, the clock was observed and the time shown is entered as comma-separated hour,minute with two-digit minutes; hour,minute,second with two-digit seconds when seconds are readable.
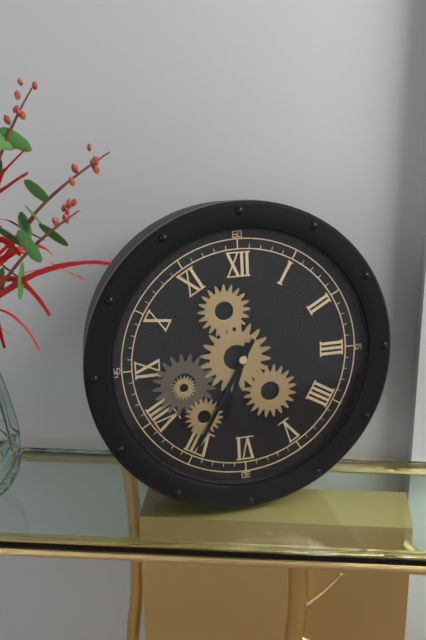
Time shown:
6,35
